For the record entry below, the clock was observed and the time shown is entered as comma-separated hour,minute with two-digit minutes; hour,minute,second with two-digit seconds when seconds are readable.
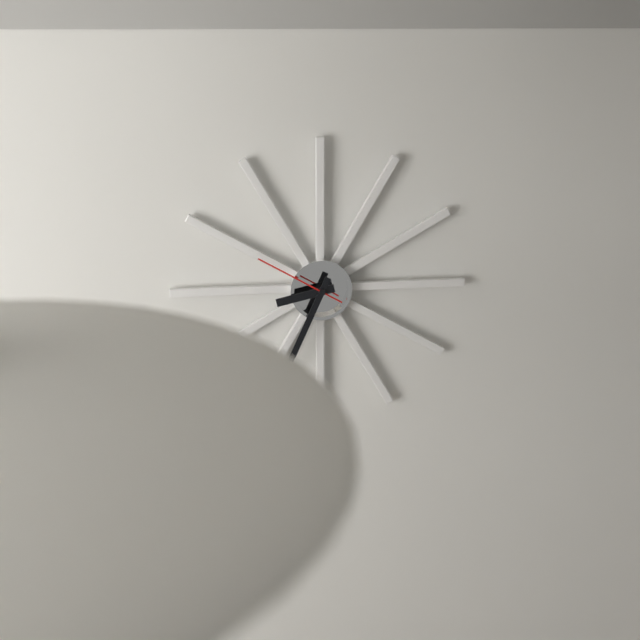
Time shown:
8,34,50
